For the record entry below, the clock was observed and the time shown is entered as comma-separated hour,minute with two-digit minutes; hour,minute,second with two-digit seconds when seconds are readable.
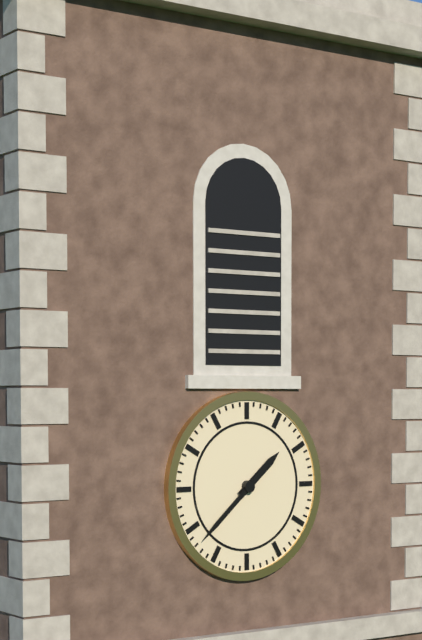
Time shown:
1,38
